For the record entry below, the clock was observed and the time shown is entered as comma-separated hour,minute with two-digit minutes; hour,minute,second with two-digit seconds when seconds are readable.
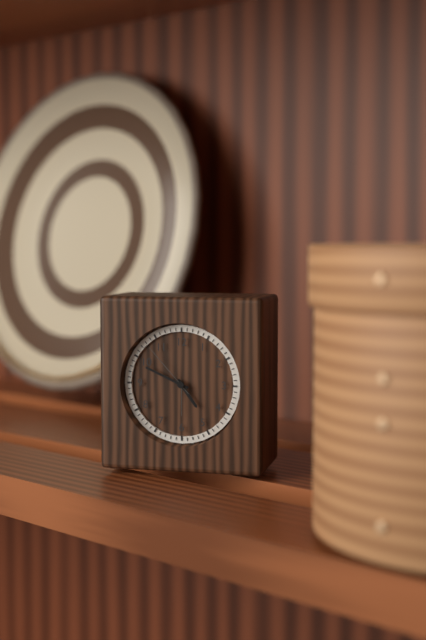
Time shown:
4,49,53
